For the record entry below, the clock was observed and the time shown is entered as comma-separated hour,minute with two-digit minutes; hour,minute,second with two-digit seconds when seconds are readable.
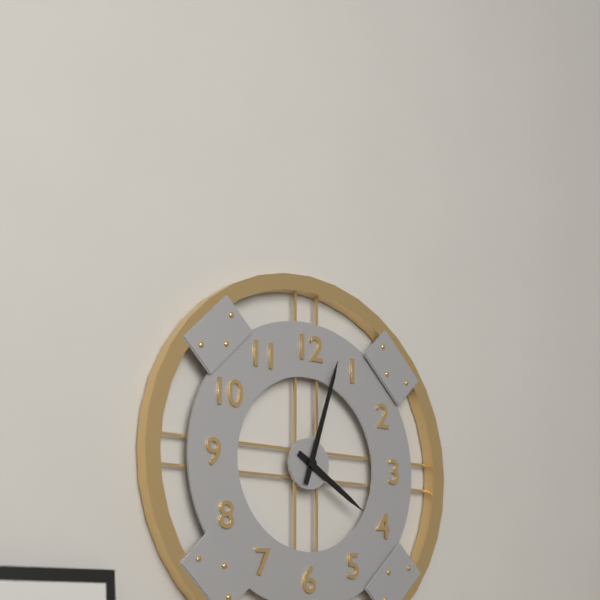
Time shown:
4,03
